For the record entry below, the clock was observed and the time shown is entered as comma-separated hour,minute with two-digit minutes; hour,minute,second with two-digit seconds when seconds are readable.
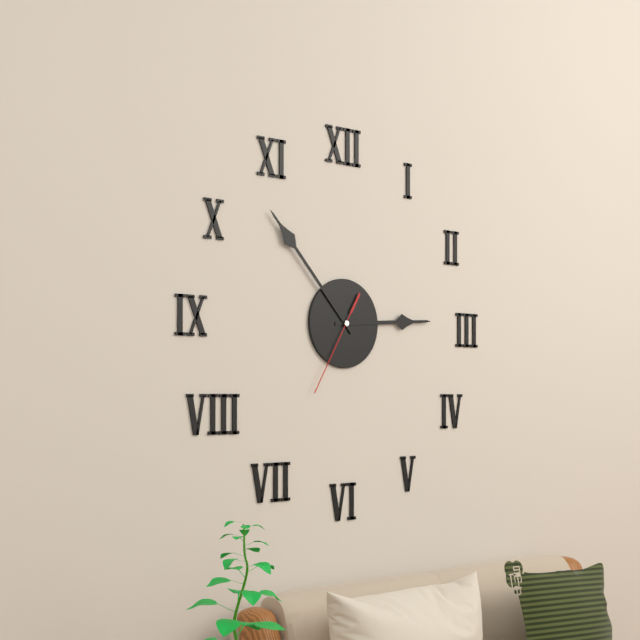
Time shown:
2,53,35
